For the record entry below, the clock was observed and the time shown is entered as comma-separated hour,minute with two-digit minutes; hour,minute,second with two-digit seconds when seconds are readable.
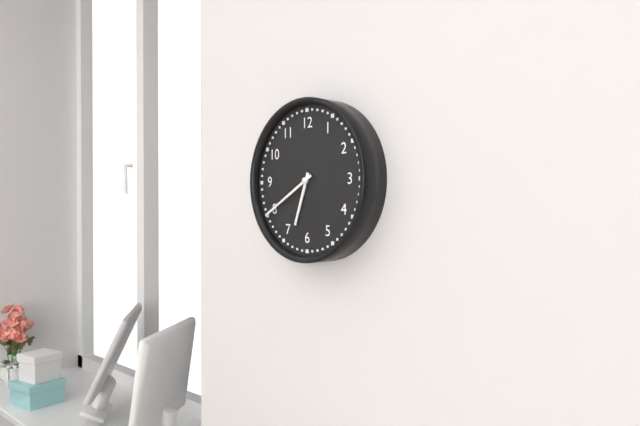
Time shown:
6,40
